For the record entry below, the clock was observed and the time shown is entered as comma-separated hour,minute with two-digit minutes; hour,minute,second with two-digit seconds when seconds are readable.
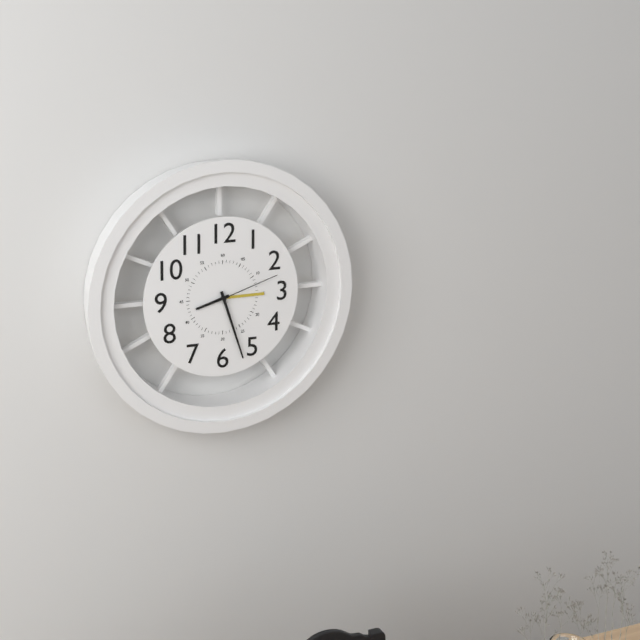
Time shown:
8,27,12
